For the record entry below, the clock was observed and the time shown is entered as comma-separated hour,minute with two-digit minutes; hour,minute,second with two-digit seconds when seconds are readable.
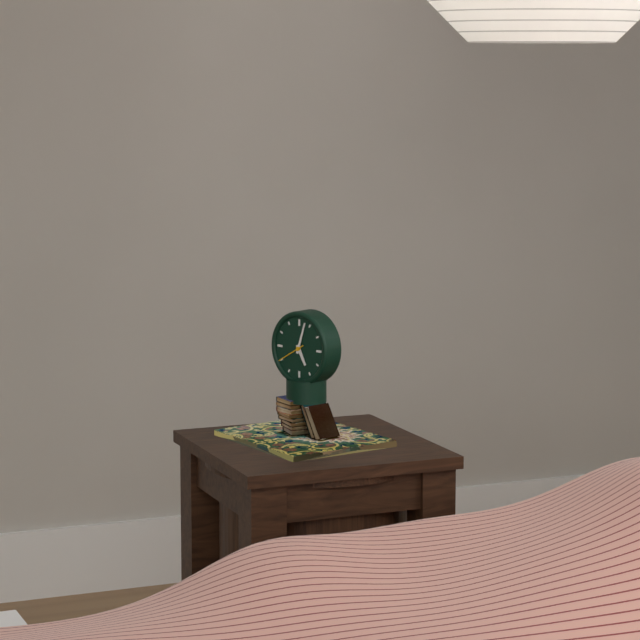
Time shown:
5,03
